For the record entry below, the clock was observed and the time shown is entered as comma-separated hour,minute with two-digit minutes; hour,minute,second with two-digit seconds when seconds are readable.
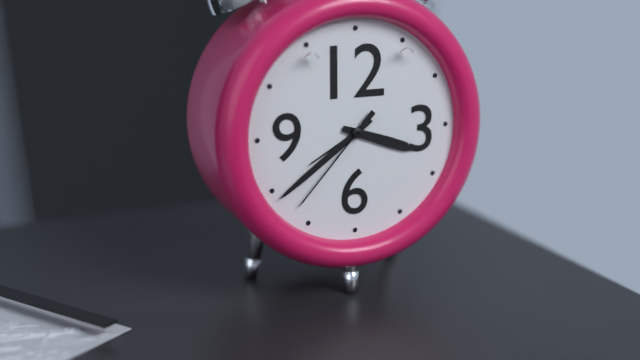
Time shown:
3,39,37
